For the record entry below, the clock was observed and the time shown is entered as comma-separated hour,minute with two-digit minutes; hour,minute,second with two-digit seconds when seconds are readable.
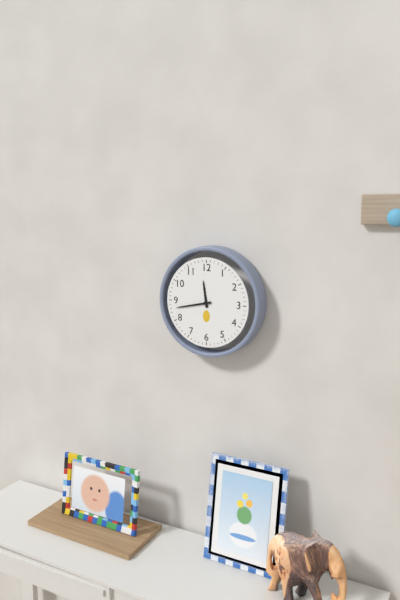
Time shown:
11,43
